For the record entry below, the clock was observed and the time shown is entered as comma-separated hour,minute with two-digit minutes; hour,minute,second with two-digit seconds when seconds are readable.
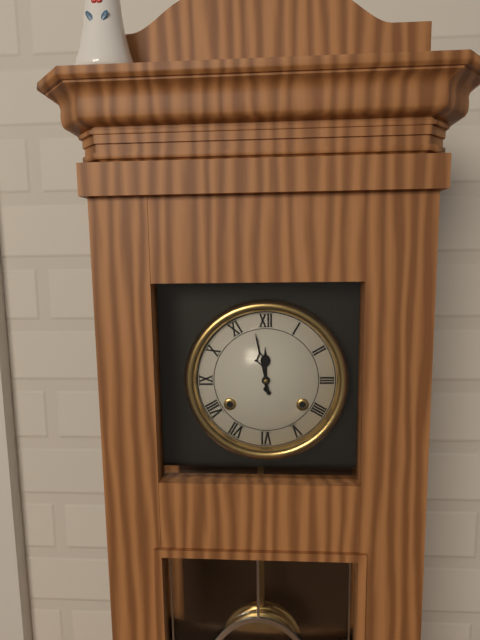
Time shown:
11,58
